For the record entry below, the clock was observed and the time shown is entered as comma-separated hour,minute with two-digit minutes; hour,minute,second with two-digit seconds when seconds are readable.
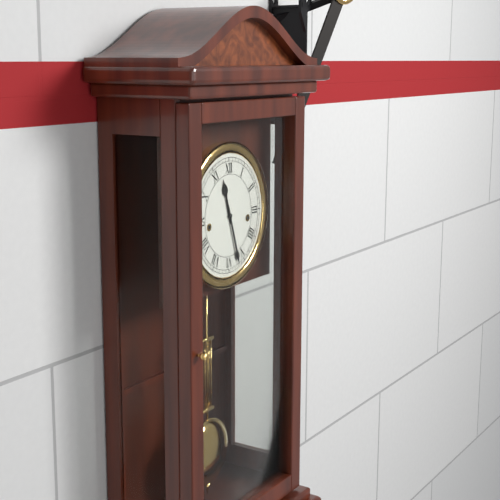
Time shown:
11,27
